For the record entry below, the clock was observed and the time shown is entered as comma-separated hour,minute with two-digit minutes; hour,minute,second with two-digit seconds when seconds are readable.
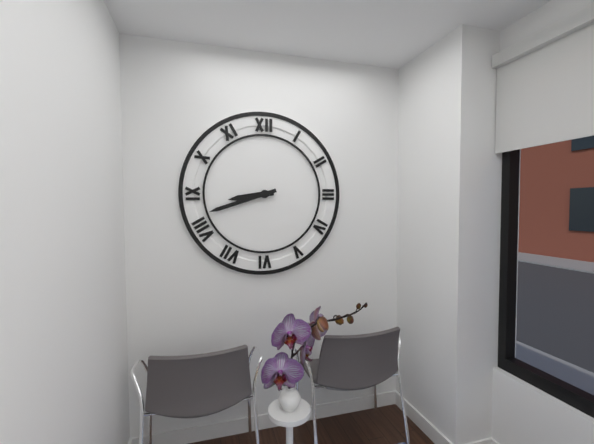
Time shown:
8,42
